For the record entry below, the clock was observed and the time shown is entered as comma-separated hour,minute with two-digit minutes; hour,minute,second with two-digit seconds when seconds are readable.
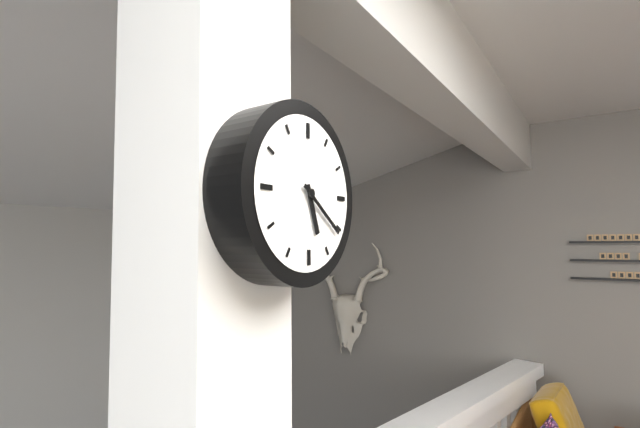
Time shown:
5,21
